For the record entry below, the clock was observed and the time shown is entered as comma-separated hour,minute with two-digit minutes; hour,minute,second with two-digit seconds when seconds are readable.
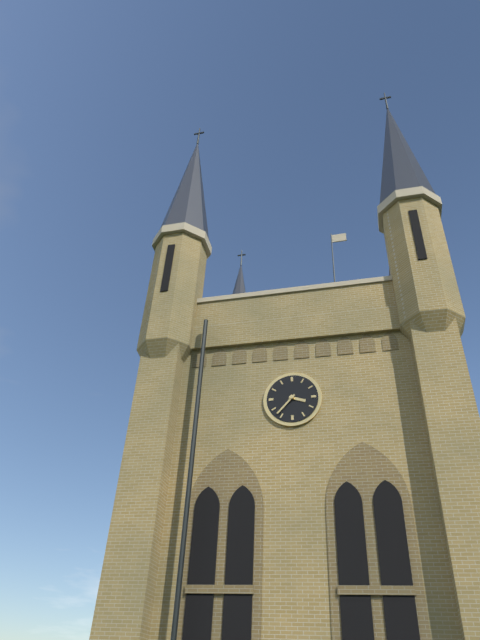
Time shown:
3,37
